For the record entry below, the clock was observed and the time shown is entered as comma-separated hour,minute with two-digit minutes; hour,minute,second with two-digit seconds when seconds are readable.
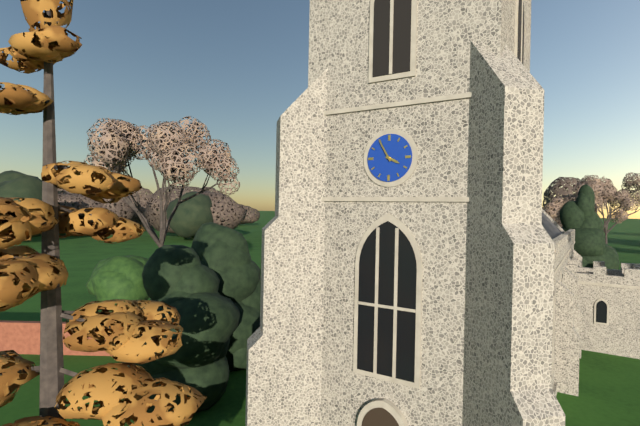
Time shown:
3,55
